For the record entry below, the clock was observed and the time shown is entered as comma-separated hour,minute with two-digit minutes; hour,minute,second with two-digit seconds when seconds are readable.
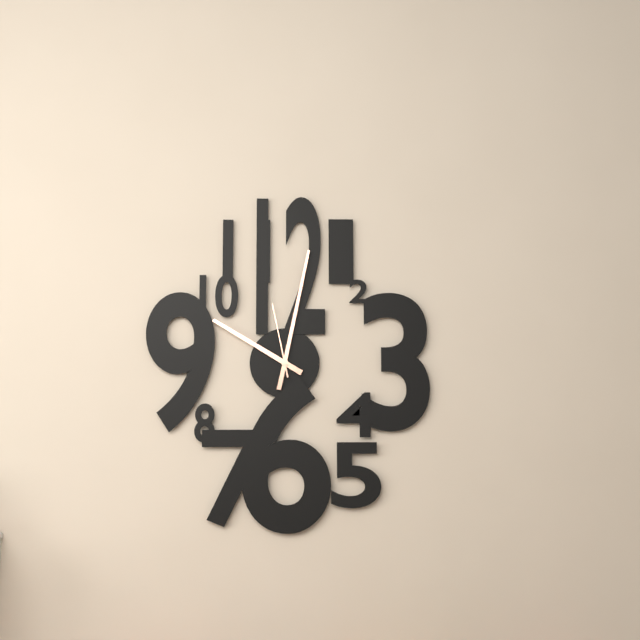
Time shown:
10,02,58
